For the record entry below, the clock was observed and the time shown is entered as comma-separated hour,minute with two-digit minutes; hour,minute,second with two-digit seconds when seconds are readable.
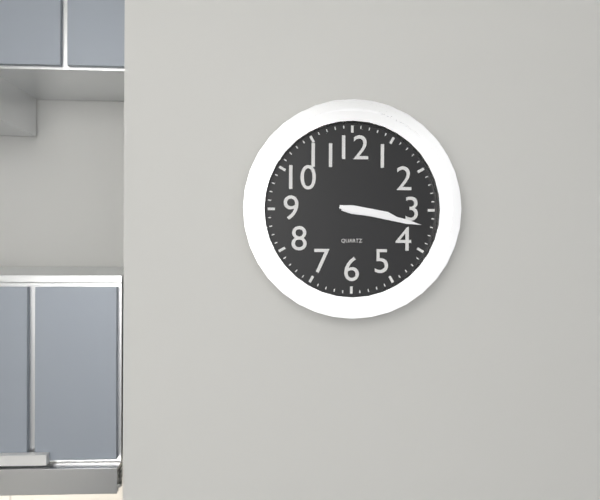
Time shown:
3,17
